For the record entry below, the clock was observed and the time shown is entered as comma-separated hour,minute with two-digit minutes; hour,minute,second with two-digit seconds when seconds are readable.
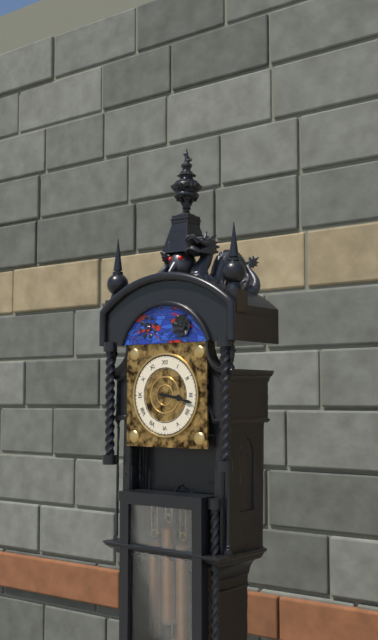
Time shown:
3,17
